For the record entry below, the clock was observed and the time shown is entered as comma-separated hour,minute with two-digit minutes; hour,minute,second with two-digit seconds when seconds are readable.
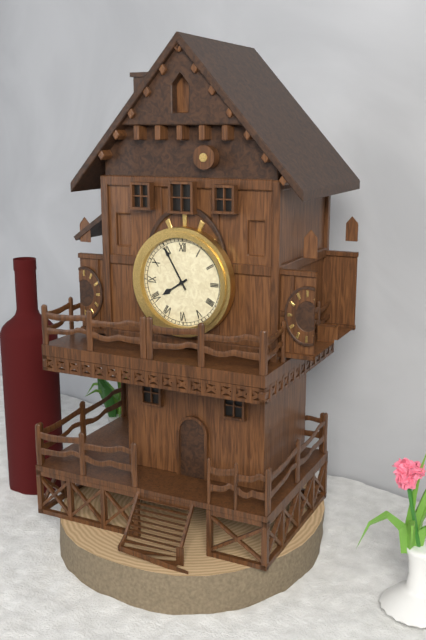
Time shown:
7,55
